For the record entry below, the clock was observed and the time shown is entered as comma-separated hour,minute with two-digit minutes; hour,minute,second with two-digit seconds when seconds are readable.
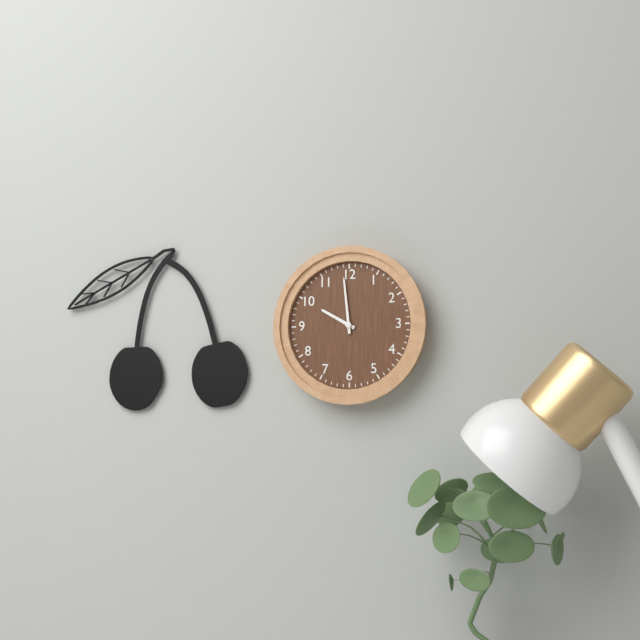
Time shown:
9,59
